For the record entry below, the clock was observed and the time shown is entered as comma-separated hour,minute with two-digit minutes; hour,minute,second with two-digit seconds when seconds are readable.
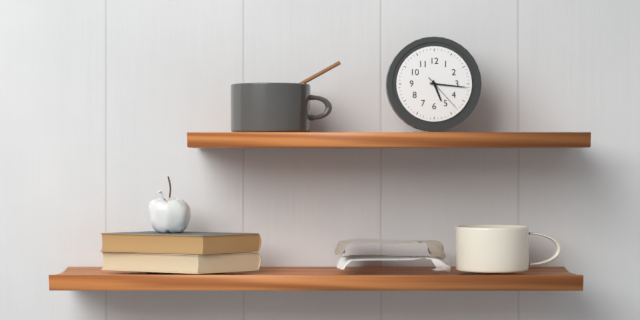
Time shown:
5,16
